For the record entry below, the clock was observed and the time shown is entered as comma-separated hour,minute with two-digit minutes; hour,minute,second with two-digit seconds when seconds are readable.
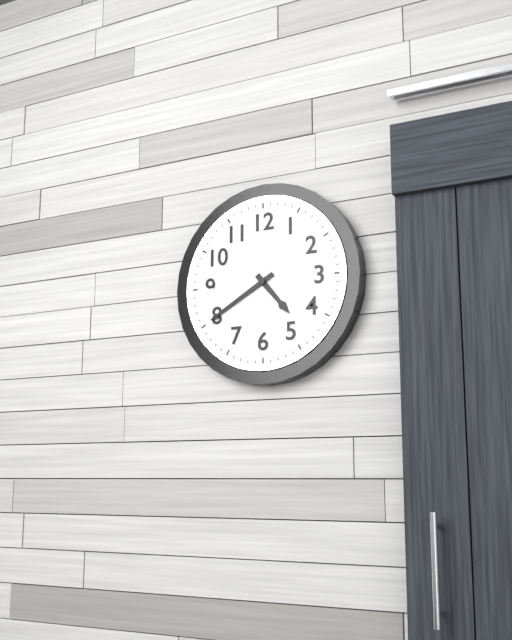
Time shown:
4,40
